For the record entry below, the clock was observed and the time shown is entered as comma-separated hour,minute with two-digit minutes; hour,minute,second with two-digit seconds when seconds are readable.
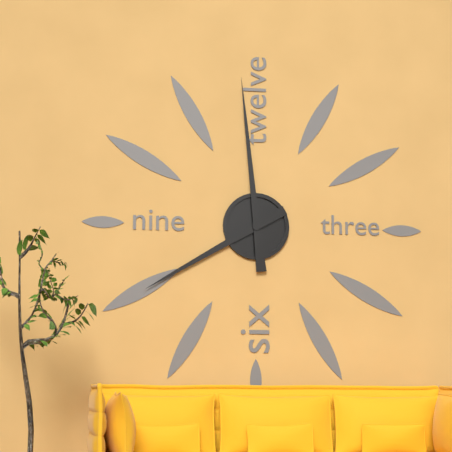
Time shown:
7,59
